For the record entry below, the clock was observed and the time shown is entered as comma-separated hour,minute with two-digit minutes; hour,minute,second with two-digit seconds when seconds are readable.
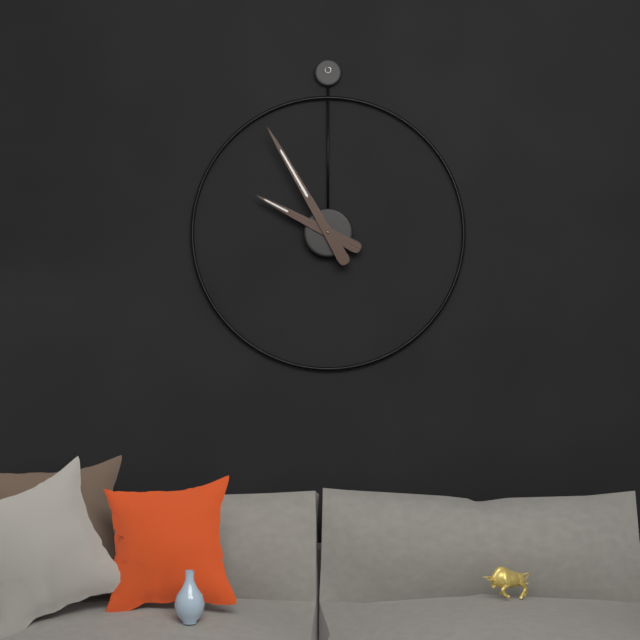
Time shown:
9,55
